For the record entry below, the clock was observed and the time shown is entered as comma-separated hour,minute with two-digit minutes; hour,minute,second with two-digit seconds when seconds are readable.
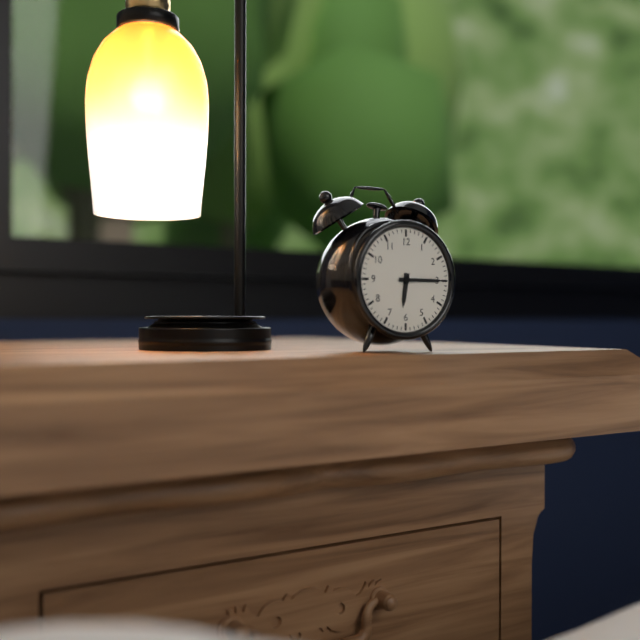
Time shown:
6,15
